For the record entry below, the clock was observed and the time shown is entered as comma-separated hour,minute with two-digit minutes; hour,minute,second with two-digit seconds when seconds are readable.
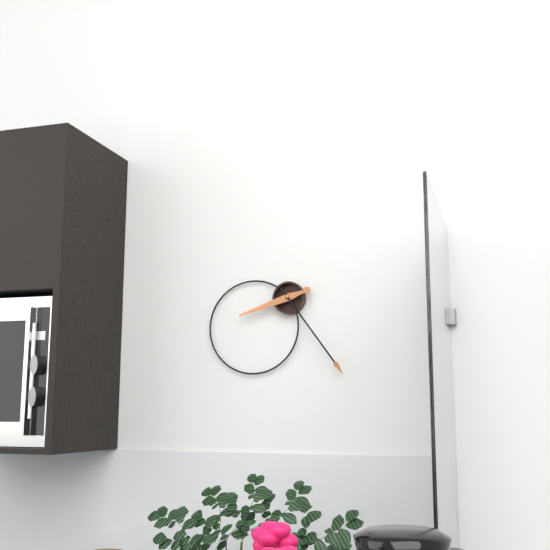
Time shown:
8,24
